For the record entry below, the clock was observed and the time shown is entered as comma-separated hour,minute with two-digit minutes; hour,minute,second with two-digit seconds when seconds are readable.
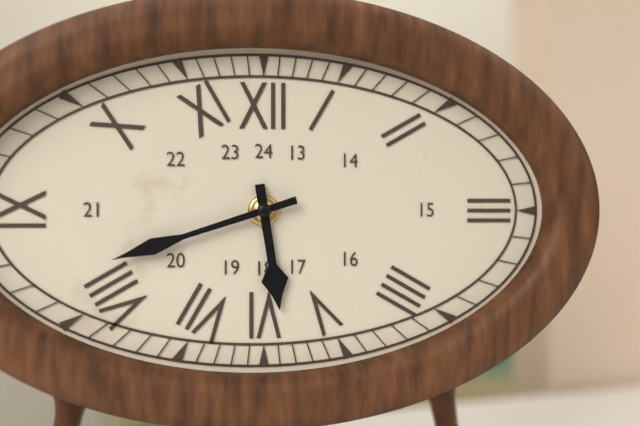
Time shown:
5,42
